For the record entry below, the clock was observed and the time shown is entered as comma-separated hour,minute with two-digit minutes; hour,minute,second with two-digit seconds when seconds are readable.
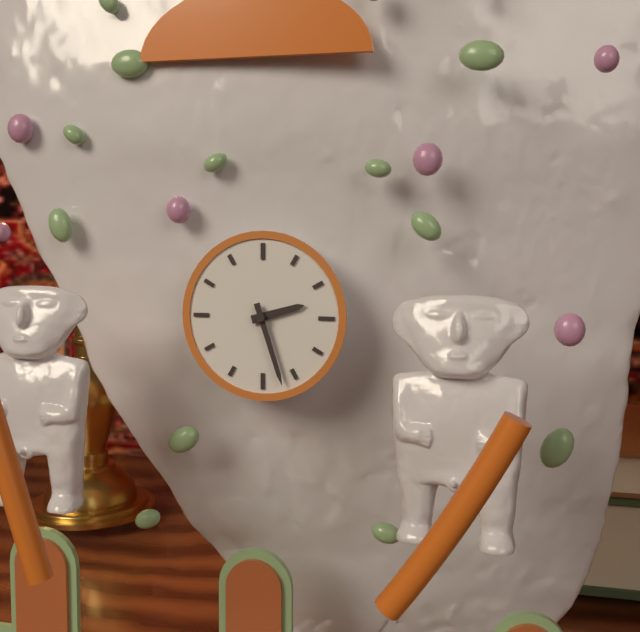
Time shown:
2,27
